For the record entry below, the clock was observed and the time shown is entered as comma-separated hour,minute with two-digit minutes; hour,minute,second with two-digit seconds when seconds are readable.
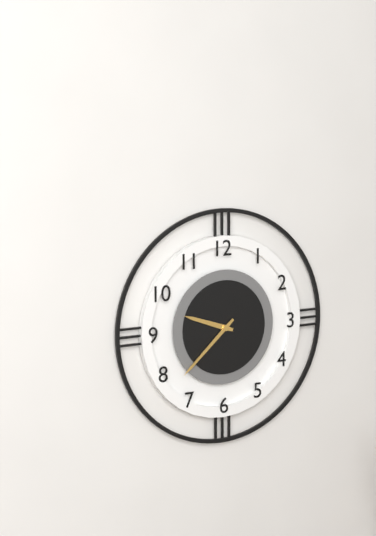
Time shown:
9,38
